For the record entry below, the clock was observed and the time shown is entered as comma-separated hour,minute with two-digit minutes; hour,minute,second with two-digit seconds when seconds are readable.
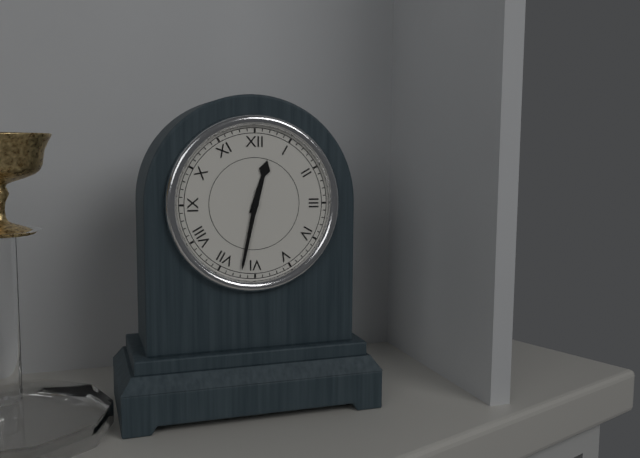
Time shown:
12,32
